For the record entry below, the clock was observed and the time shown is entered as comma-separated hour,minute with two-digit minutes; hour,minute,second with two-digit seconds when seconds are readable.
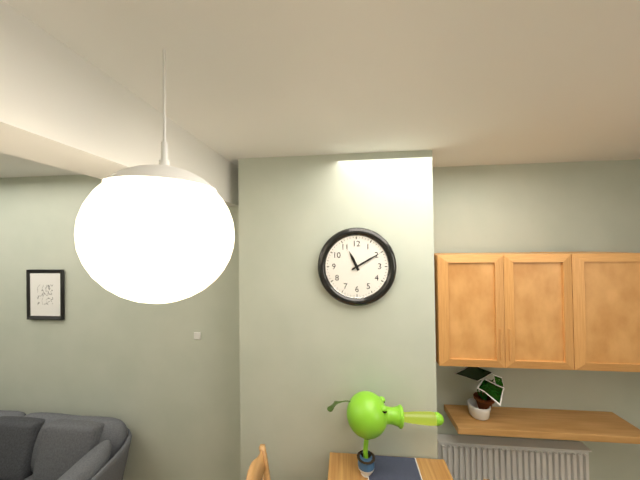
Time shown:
11,10
